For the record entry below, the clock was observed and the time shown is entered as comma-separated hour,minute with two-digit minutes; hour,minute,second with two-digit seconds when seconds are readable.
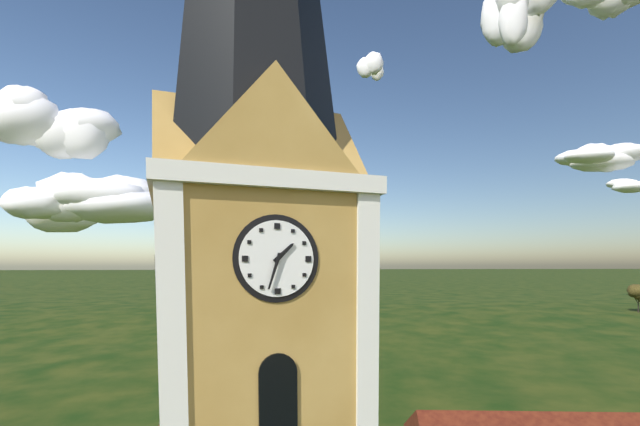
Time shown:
1,33
